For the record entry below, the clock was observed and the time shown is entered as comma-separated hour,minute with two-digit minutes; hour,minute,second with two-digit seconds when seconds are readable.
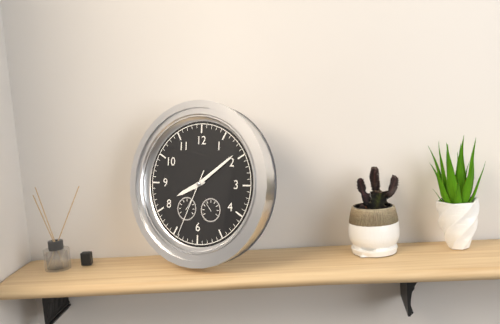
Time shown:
8,09,34
